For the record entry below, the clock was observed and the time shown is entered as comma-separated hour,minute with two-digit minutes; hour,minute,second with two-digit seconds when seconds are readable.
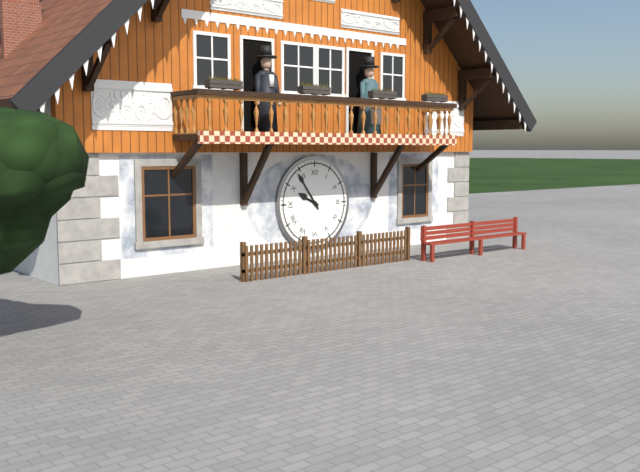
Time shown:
9,54
